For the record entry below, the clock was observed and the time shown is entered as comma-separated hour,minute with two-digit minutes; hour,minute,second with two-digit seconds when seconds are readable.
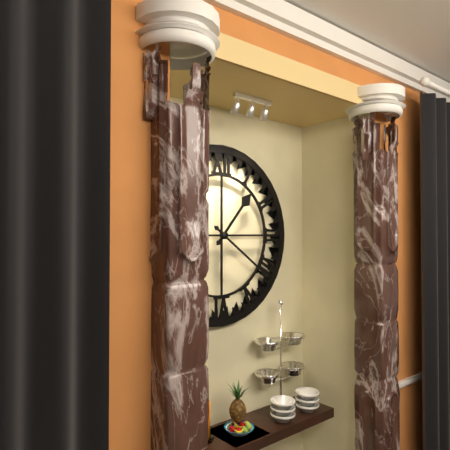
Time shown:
1,21
